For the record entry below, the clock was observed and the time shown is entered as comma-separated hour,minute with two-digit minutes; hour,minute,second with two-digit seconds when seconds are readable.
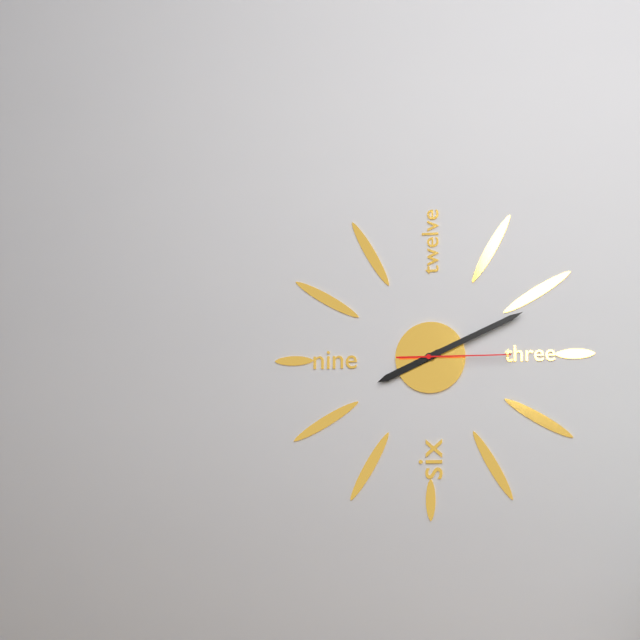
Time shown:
8,11,15
